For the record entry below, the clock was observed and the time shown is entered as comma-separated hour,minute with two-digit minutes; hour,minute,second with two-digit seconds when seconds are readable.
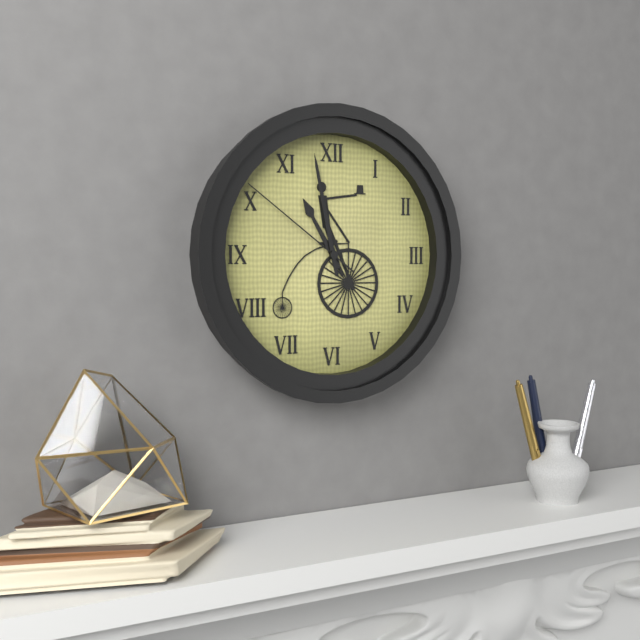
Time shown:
10,58,51
